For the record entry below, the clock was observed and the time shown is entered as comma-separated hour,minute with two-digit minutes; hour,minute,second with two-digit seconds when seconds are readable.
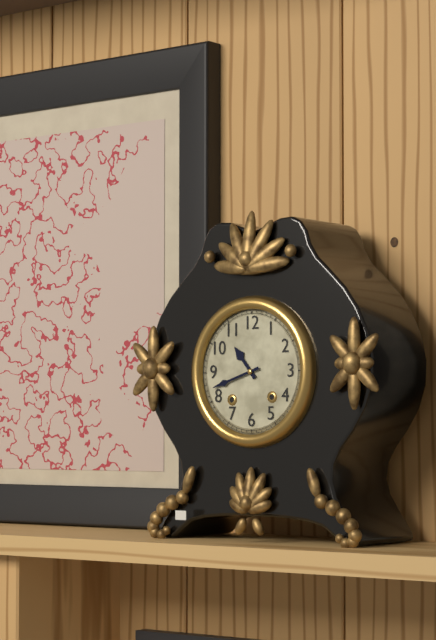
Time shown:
10,42
